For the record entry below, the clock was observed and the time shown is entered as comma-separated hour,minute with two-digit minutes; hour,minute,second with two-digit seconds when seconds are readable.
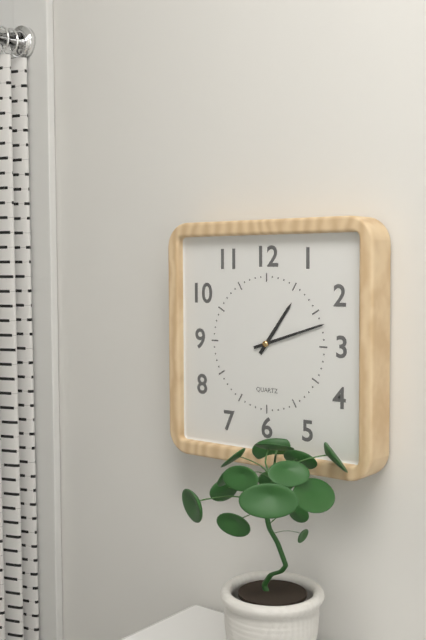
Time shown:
1,12
